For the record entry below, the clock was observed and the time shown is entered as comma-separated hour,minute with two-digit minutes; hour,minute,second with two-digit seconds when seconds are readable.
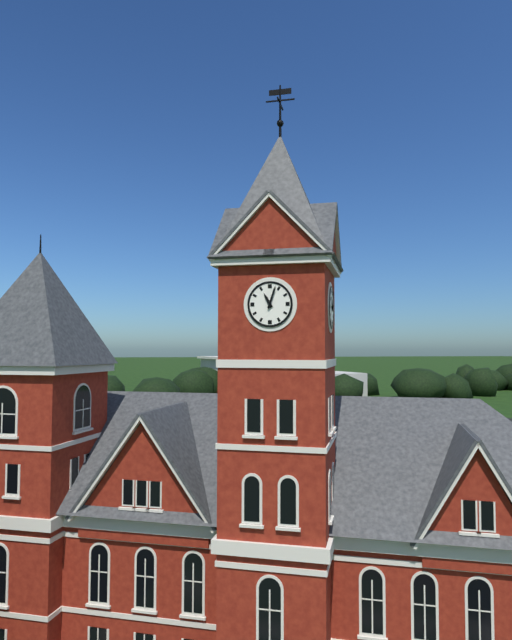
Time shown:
11,03
